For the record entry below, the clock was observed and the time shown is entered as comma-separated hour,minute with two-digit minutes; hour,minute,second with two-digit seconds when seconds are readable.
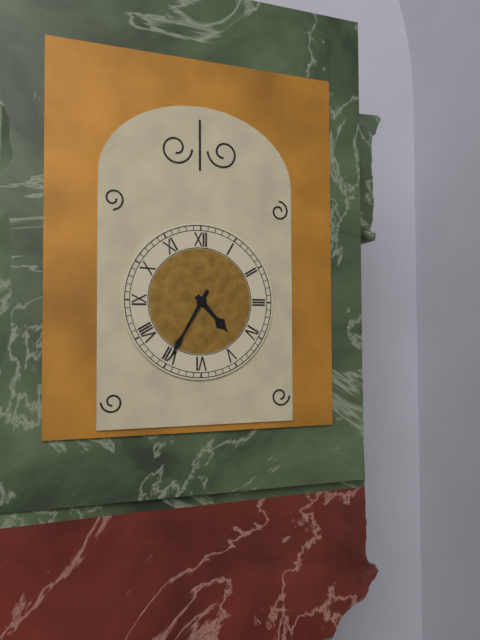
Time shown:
4,35
